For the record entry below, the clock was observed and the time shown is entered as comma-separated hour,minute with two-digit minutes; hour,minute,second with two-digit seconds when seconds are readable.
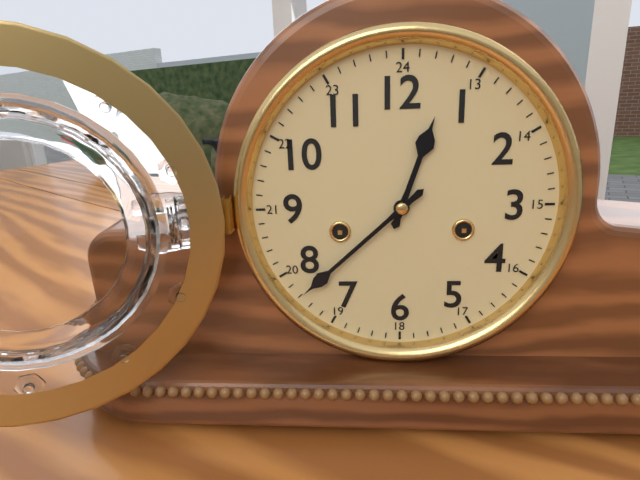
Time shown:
12,38
